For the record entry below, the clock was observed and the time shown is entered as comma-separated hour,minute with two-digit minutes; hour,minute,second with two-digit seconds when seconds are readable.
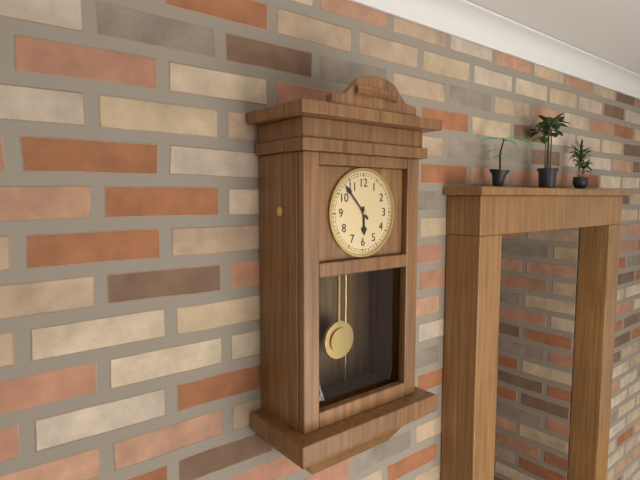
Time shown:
5,53
